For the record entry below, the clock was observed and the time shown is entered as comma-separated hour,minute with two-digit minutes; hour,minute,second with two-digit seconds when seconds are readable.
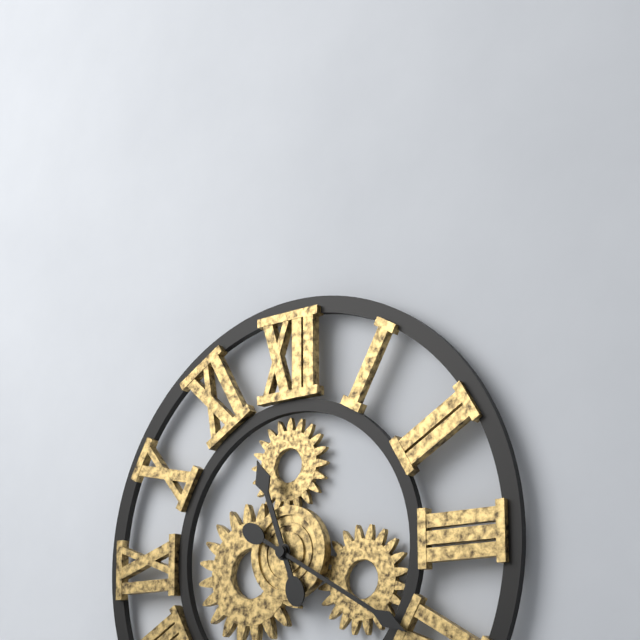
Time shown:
11,20
